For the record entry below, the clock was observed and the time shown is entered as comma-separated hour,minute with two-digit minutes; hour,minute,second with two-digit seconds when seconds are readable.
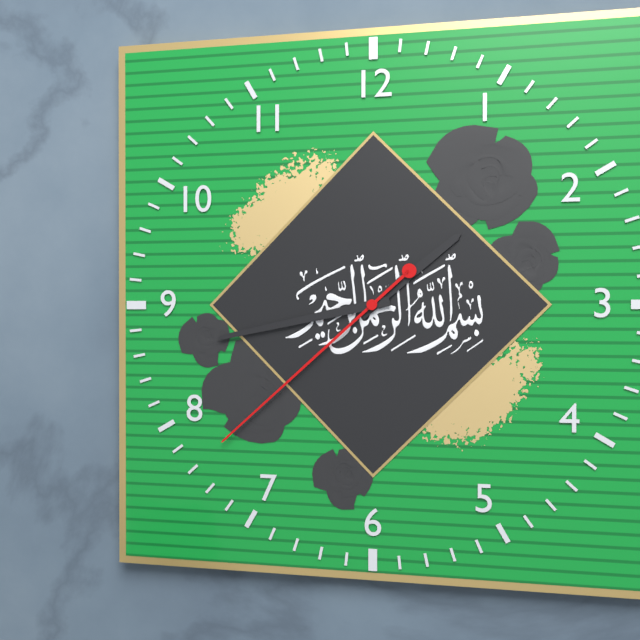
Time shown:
1,43,38
